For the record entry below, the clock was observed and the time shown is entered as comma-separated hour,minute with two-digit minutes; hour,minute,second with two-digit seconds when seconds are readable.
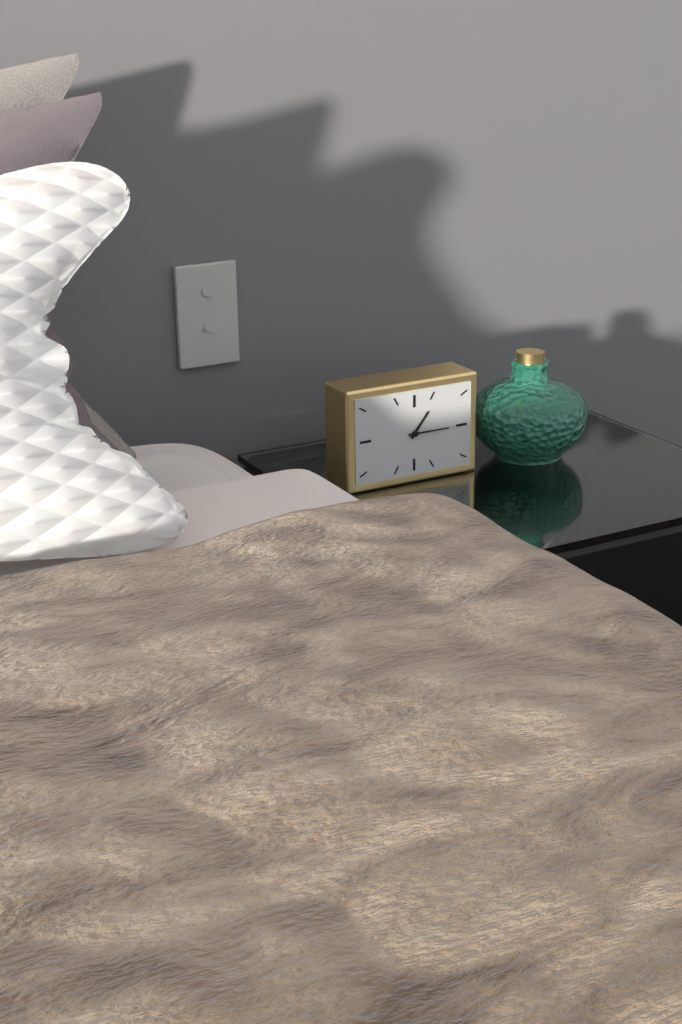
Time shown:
1,15
